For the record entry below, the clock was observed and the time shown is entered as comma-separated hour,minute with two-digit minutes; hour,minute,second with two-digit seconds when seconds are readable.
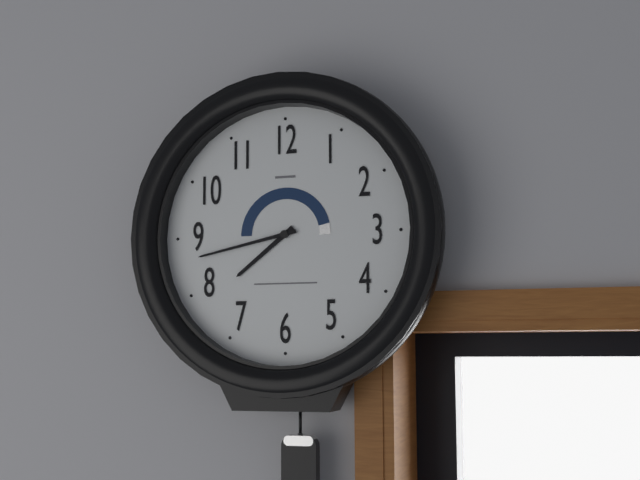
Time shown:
7,43
